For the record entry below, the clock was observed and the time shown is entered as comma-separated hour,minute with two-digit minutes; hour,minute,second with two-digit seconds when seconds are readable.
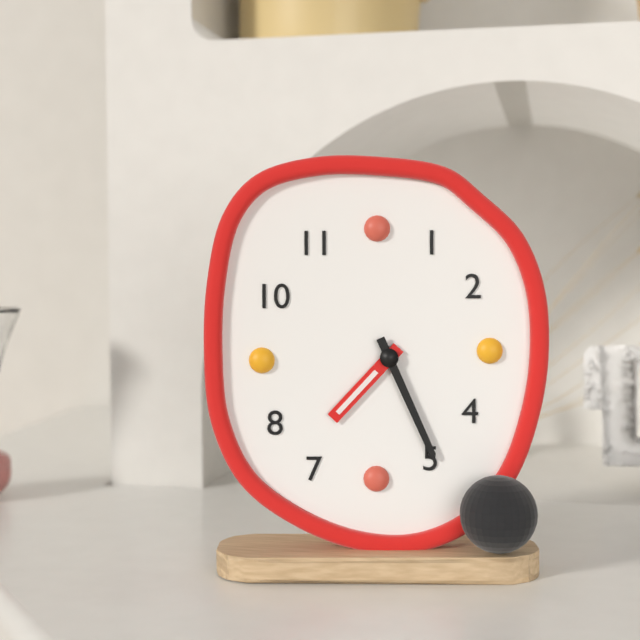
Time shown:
7,26
